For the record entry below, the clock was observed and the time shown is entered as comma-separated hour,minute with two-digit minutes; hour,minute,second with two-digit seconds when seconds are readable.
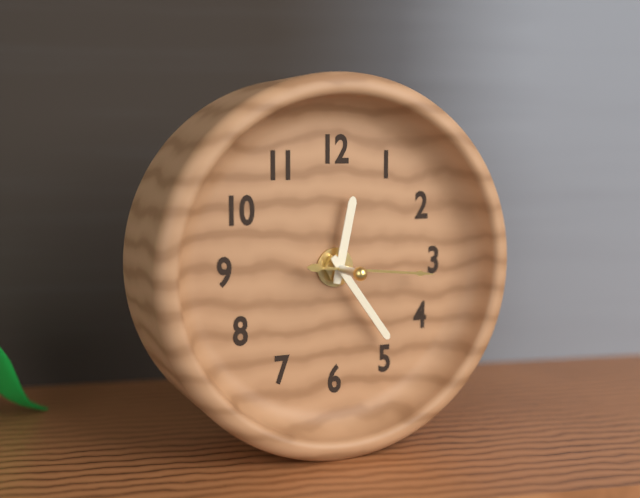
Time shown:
12,24,16
